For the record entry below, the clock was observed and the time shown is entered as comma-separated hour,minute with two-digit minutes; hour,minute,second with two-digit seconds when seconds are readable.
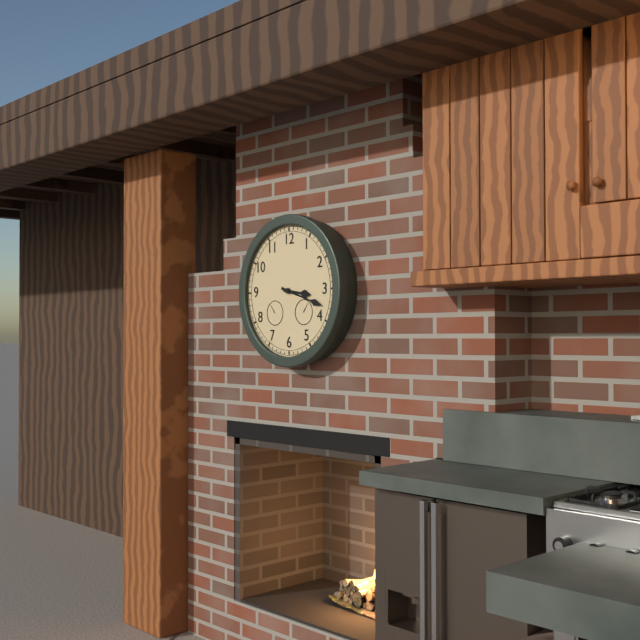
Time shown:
3,18
